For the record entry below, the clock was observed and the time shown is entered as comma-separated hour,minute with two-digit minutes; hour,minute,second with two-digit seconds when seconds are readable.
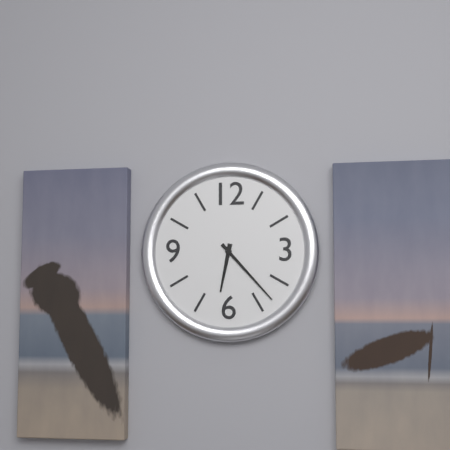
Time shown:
6,23
